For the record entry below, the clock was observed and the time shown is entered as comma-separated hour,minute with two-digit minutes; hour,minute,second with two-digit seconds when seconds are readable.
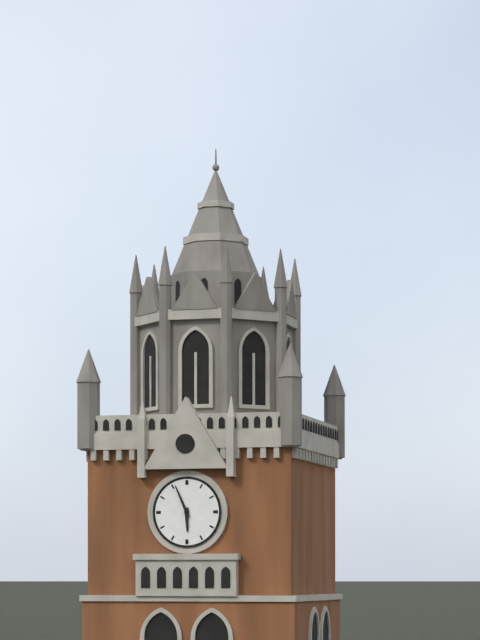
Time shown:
5,56
